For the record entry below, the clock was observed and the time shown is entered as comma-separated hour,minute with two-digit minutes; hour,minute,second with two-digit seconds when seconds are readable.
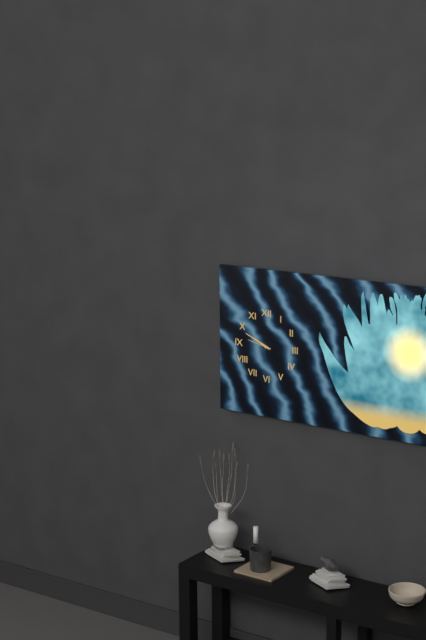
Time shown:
9,49
